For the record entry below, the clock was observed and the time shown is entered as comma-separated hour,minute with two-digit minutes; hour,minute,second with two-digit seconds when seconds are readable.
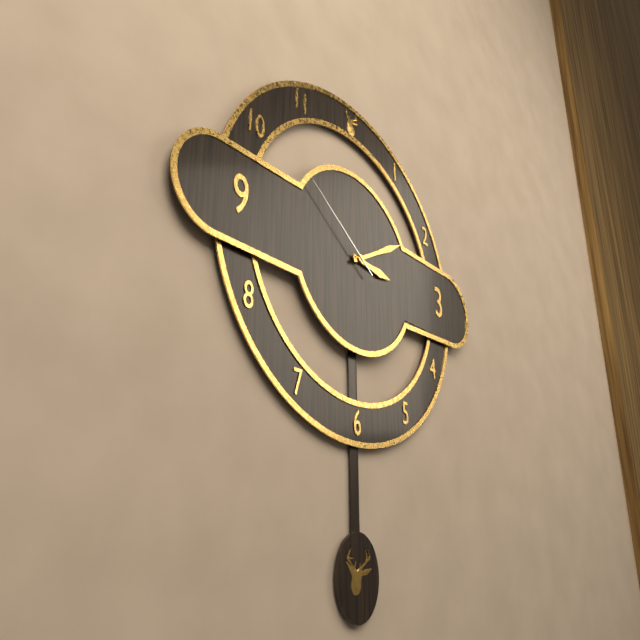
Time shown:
3,10,51
